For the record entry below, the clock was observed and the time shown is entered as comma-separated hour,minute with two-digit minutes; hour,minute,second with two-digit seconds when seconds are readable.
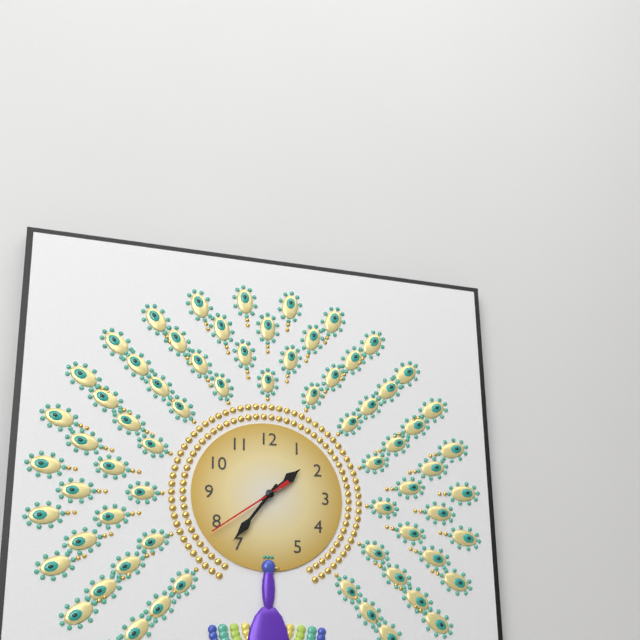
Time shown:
1,36,39
